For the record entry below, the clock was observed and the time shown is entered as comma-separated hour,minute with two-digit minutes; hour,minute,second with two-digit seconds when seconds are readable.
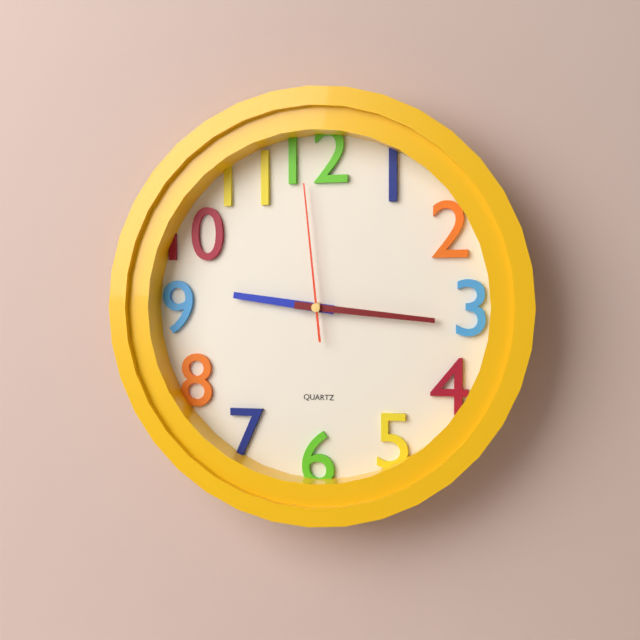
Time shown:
9,16,59
